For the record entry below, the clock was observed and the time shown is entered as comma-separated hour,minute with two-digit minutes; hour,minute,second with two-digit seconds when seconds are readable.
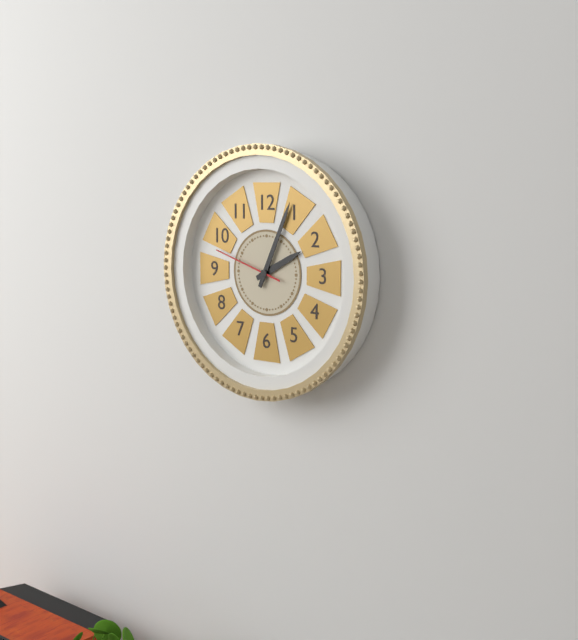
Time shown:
2,04,48
